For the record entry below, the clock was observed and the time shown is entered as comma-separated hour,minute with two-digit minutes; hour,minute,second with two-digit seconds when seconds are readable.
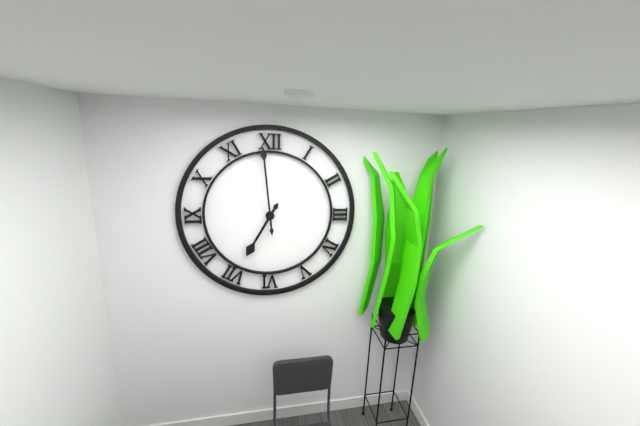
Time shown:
6,59
